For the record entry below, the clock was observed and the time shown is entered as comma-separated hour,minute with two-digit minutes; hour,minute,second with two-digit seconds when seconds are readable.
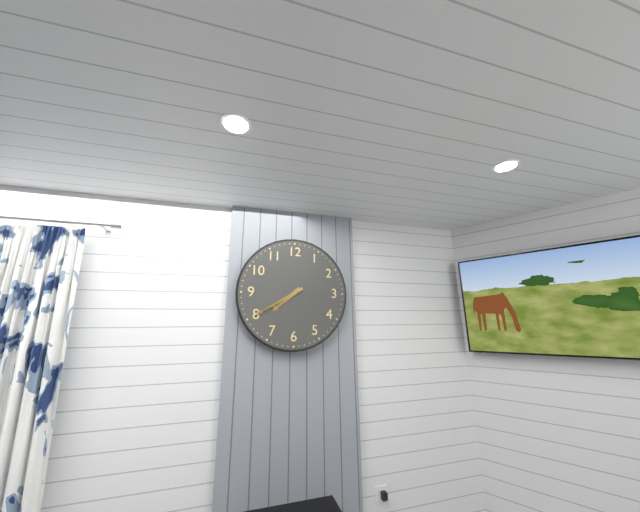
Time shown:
7,40
